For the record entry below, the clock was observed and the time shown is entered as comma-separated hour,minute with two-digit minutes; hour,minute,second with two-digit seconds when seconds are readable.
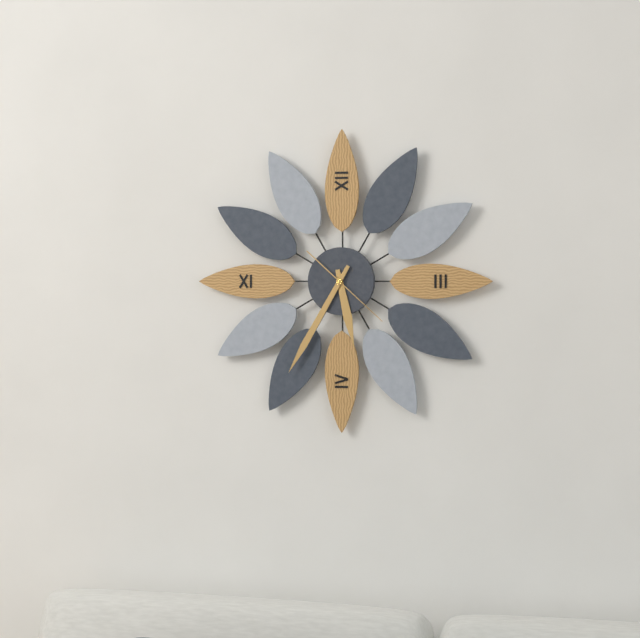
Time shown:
5,35,22
